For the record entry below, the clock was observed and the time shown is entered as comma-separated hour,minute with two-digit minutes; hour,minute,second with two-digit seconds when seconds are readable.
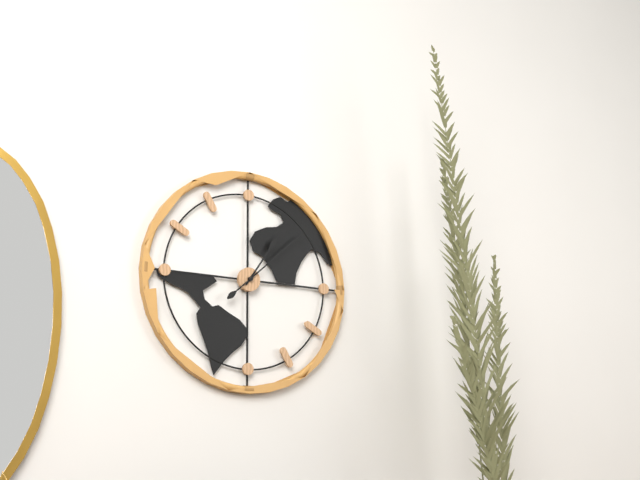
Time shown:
1,08
